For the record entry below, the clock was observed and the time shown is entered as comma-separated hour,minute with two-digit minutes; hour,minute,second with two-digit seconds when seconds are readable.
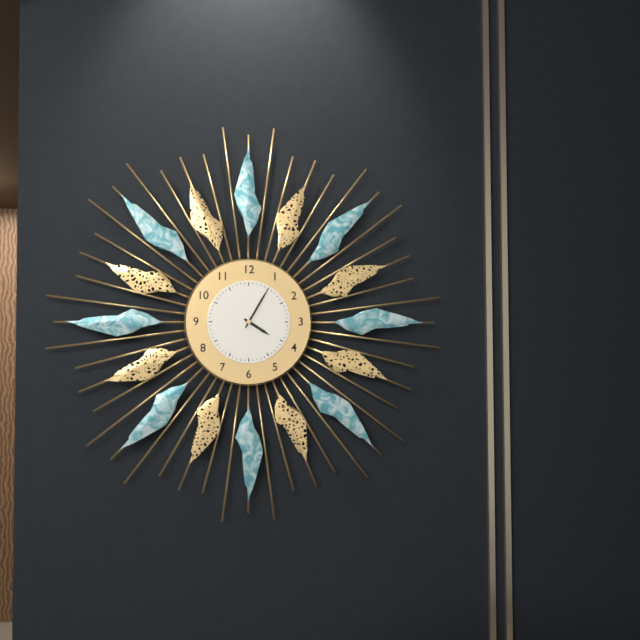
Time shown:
4,05
